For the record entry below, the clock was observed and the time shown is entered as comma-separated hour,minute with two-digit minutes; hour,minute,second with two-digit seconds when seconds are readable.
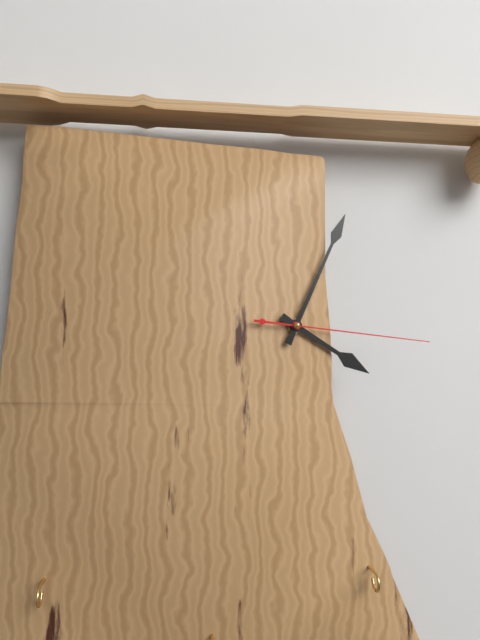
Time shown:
4,04,16
